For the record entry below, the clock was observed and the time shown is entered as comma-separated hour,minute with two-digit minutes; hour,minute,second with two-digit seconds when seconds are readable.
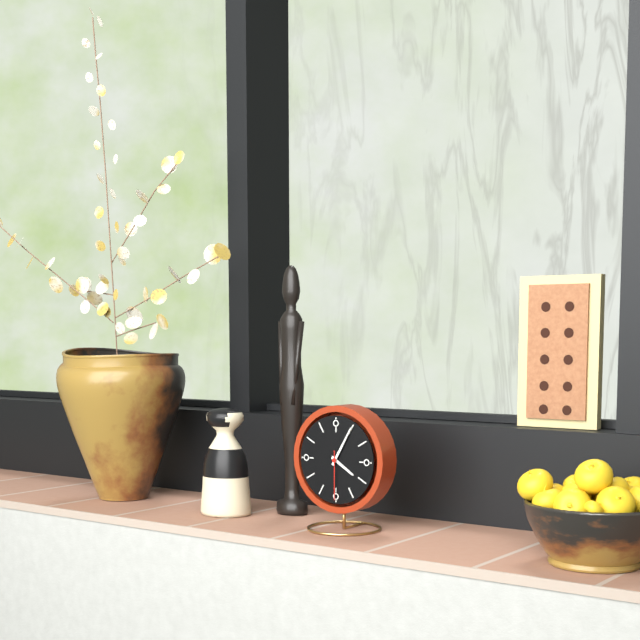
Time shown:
4,05
